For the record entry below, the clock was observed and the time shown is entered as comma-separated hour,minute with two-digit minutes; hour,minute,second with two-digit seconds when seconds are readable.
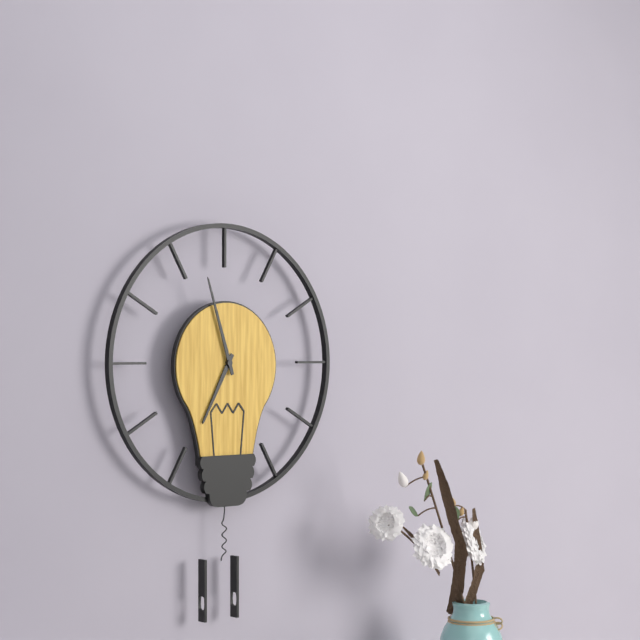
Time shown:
6,57
